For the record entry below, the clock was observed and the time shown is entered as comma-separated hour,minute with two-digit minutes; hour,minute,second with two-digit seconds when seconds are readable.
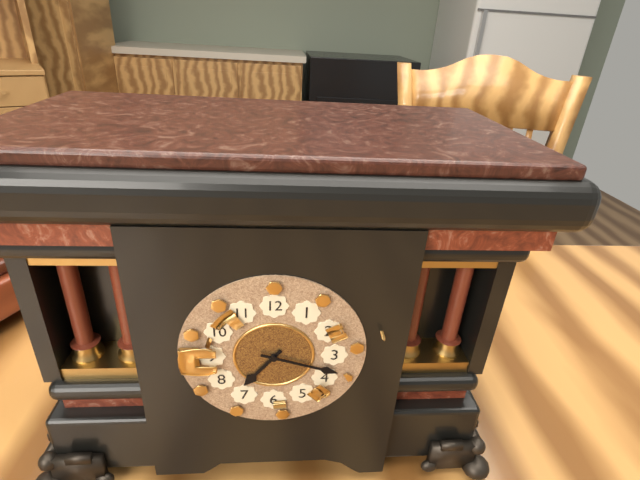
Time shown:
7,18
